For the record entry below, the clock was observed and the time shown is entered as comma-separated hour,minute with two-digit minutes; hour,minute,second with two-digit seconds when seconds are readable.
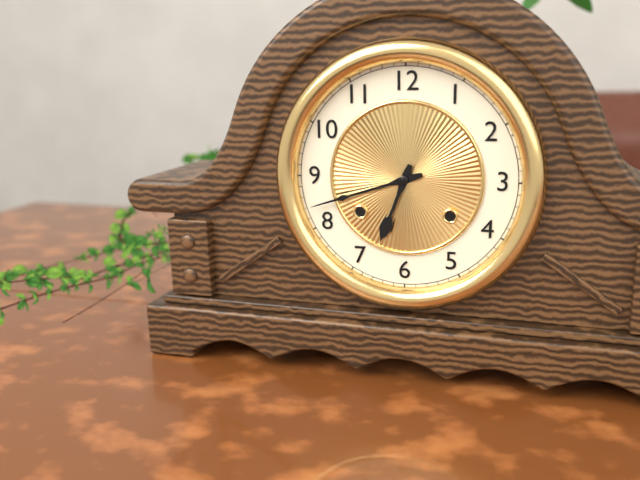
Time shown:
6,42
